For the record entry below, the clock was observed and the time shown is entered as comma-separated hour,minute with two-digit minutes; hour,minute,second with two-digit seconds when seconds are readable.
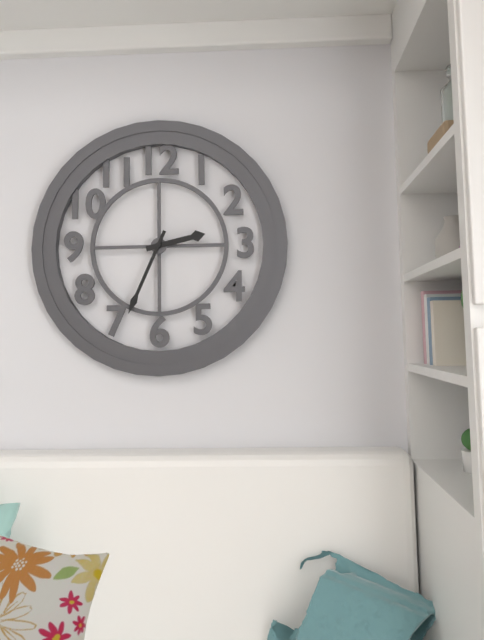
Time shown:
2,34
